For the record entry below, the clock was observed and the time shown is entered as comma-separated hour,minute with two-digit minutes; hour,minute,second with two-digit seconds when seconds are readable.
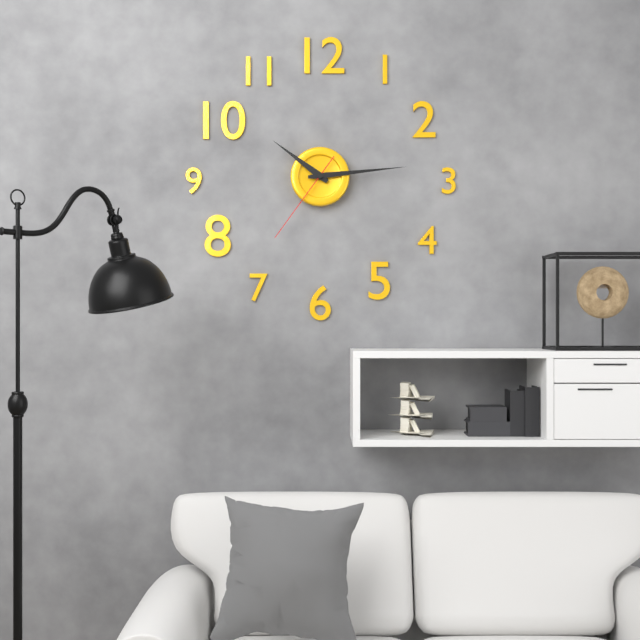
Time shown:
10,14,36
